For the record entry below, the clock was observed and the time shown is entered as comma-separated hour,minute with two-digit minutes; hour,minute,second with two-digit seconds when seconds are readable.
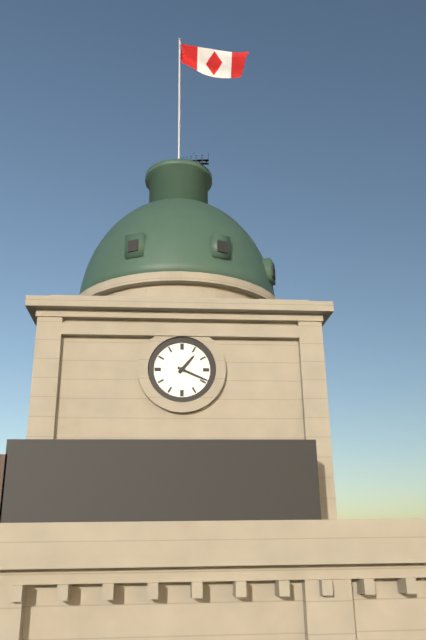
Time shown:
1,19
